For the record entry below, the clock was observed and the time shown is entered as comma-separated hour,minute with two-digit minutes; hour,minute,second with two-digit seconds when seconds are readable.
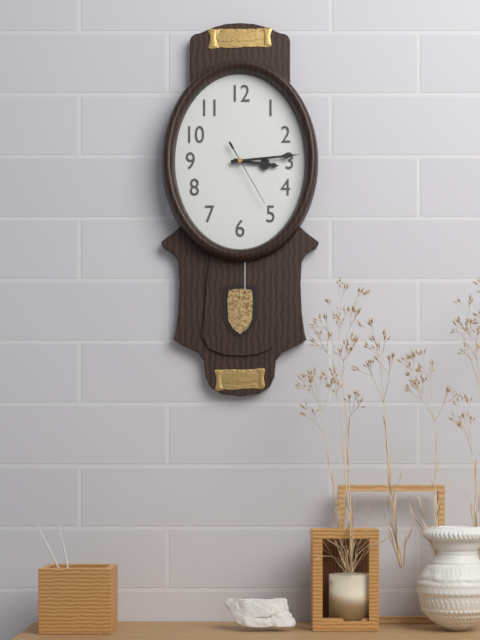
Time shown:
3,14,25
